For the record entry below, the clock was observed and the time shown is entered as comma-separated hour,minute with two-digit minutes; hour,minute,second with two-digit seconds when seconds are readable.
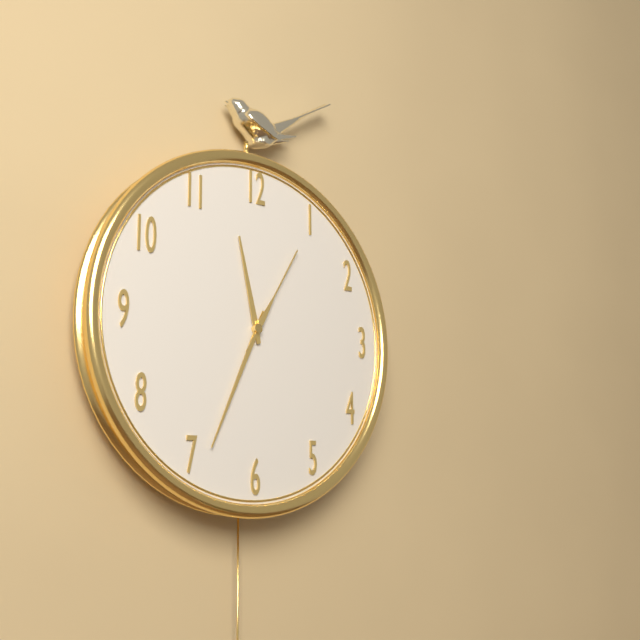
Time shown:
11,34,05
